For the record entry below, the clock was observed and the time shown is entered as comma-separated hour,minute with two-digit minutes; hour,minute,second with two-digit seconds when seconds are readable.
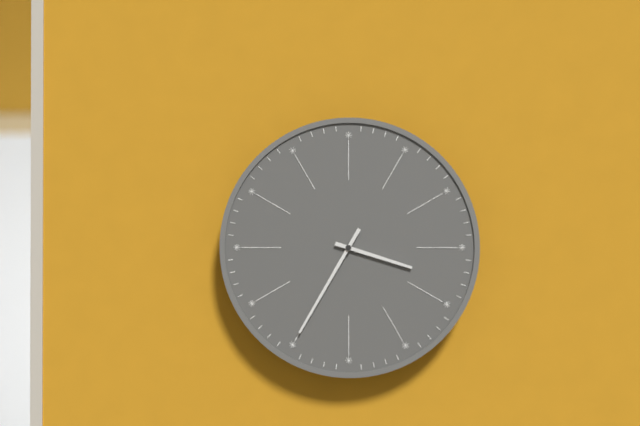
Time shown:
3,35
